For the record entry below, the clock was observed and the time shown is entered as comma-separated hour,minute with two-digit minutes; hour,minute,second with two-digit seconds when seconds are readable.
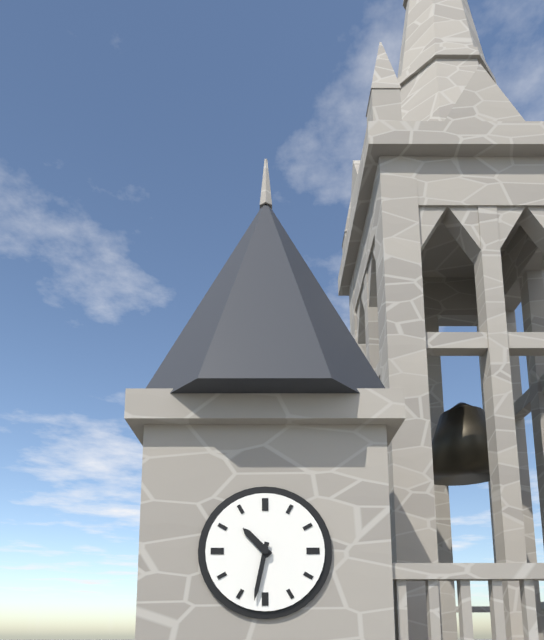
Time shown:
10,32
